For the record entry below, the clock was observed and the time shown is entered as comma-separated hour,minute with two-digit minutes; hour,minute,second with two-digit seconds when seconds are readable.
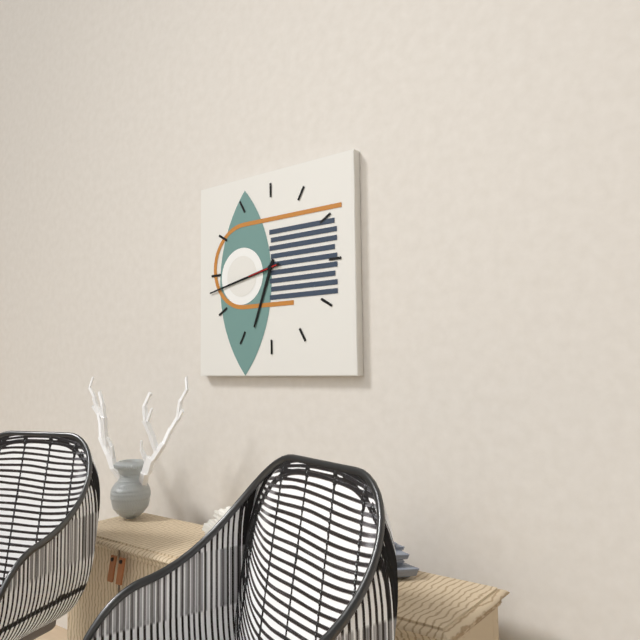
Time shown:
6,43
